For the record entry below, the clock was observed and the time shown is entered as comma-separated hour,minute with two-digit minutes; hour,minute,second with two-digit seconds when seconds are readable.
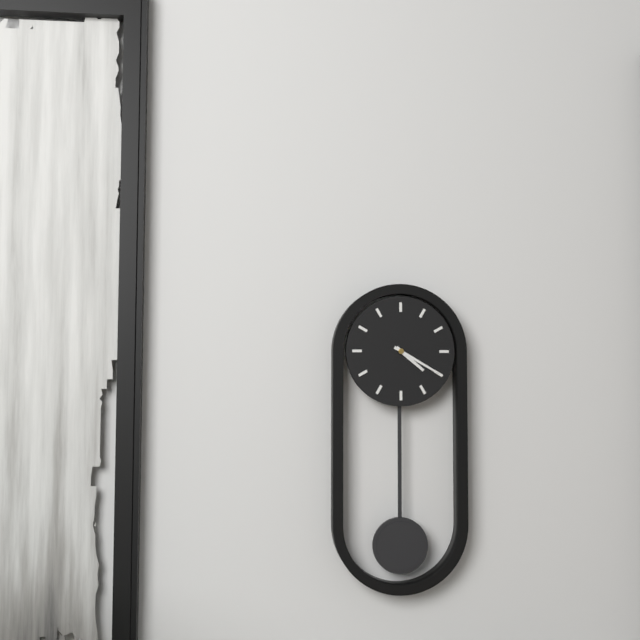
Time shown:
4,20
